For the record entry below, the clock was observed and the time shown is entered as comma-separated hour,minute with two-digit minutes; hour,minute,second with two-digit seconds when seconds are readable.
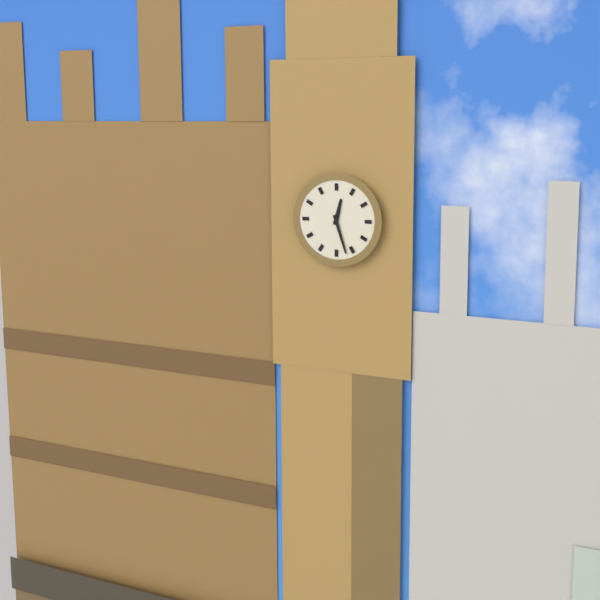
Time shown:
12,27
